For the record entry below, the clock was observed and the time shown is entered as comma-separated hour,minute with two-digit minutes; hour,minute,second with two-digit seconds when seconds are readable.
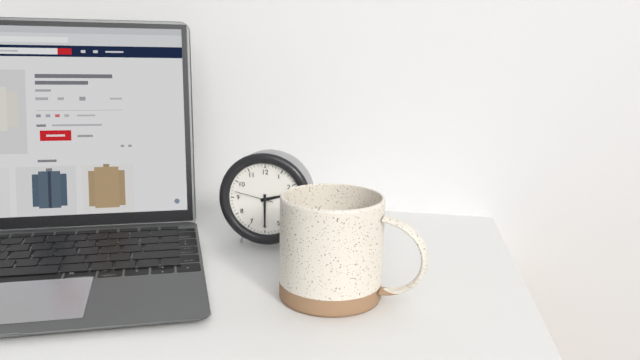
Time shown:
2,30
